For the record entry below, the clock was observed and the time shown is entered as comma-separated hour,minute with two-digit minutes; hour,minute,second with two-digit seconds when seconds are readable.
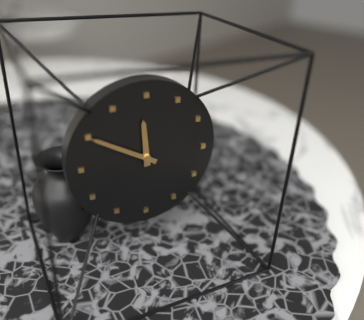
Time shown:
11,50
